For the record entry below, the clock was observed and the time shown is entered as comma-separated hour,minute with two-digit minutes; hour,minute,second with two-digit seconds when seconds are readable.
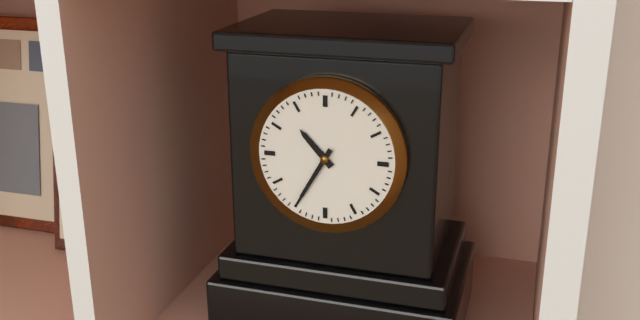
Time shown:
10,35
